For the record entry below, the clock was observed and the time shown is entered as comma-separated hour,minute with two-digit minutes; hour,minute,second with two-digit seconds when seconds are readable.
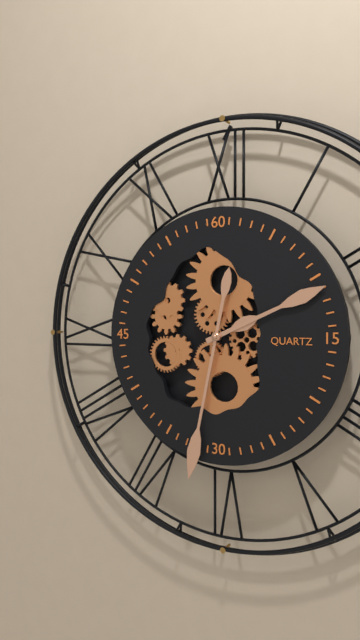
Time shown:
2,11,32
